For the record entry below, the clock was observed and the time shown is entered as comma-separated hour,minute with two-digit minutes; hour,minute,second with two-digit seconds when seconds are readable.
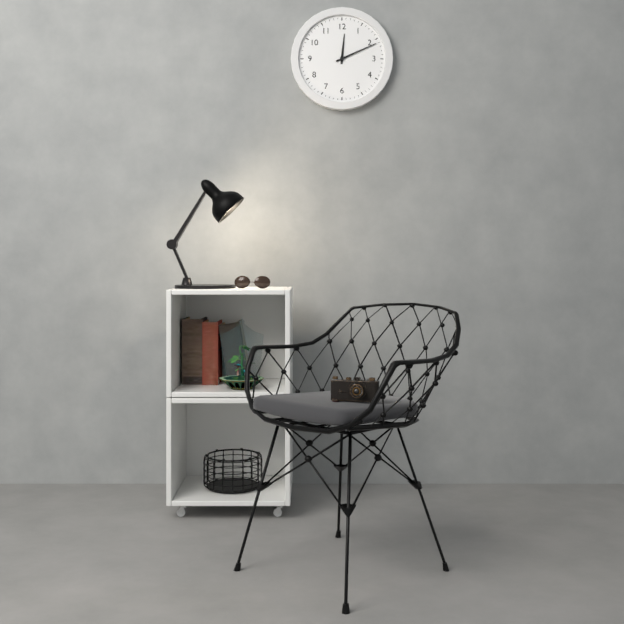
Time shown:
12,11
